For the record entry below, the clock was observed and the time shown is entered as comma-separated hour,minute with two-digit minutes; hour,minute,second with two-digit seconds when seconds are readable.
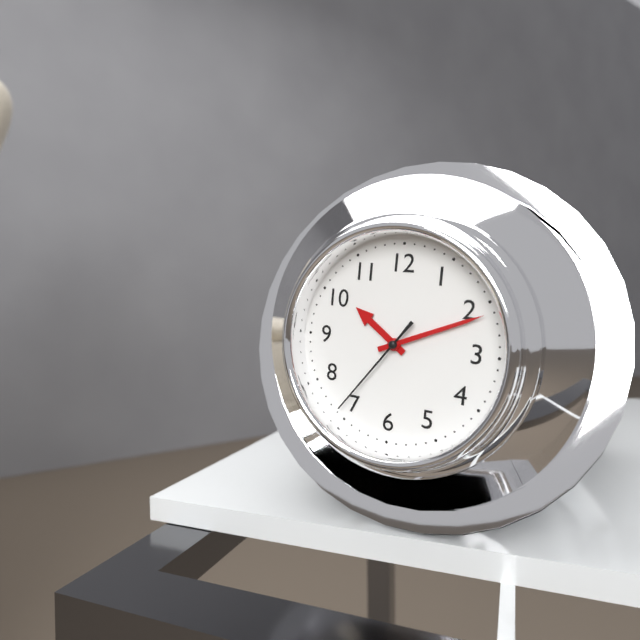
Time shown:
10,11,36
